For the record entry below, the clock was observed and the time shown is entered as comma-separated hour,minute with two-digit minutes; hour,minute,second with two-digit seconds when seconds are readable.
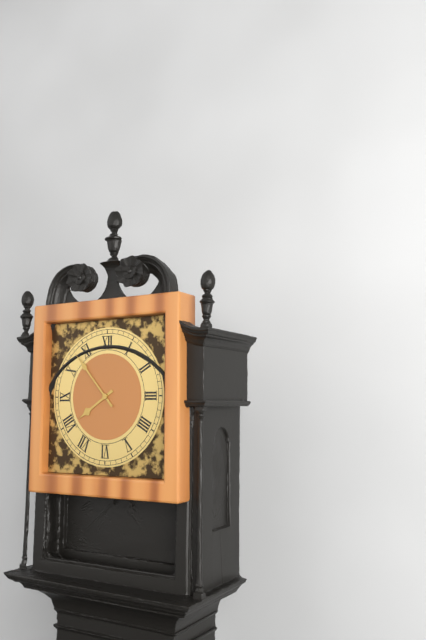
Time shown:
7,53
